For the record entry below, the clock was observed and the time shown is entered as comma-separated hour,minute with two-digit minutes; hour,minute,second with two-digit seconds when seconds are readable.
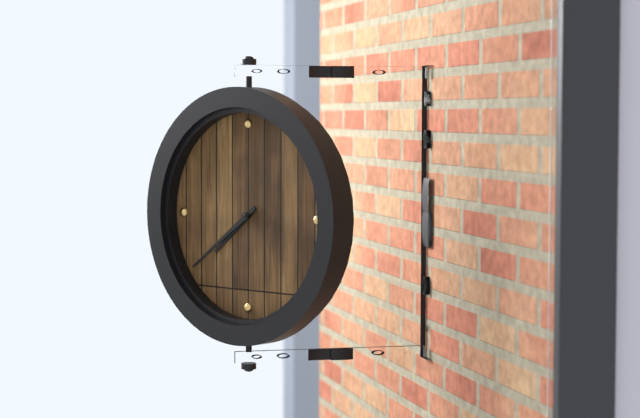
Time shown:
7,39
